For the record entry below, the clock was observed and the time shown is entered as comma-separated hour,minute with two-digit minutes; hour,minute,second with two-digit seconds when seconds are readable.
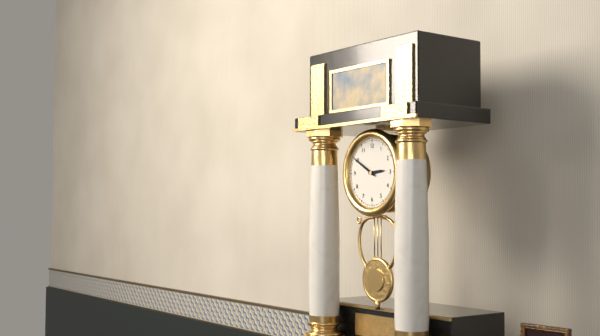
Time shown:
2,50
